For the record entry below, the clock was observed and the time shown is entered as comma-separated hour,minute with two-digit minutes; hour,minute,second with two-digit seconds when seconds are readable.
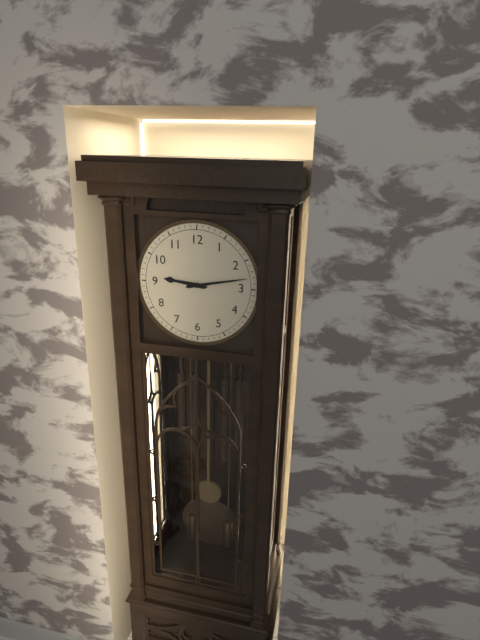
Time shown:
9,13
